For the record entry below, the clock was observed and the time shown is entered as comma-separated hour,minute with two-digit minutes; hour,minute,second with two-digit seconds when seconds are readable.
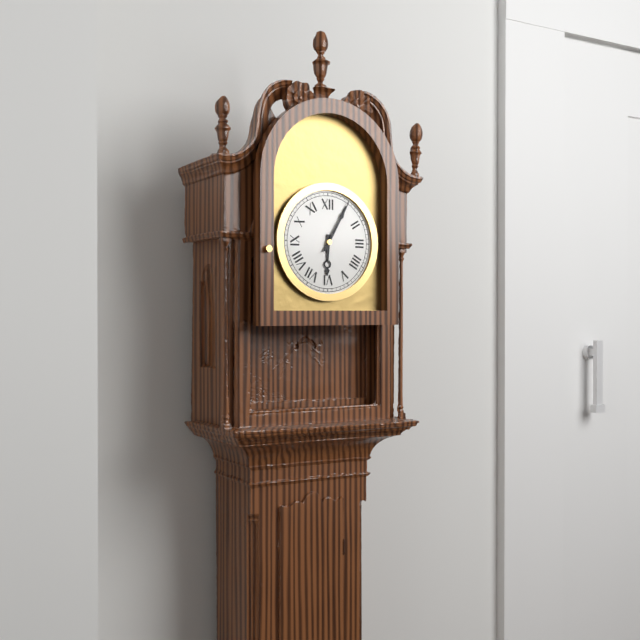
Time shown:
6,05
